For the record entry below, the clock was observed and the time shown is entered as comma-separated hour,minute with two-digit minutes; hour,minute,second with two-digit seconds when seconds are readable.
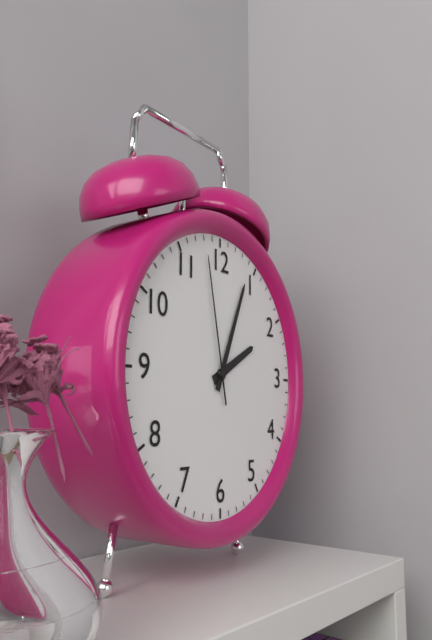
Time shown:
2,04,58
